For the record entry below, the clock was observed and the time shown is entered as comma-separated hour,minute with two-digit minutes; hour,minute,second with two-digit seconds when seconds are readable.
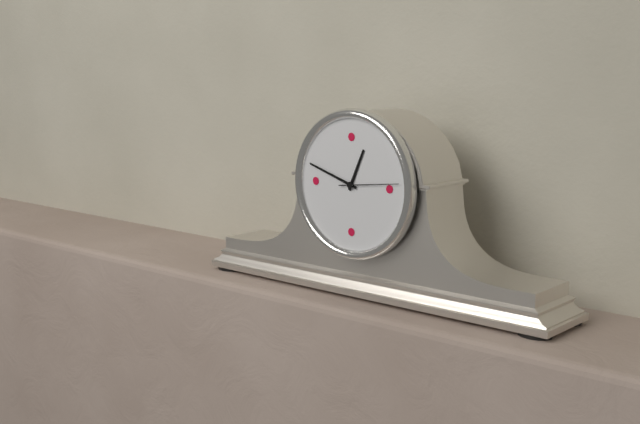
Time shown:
12,48,14
